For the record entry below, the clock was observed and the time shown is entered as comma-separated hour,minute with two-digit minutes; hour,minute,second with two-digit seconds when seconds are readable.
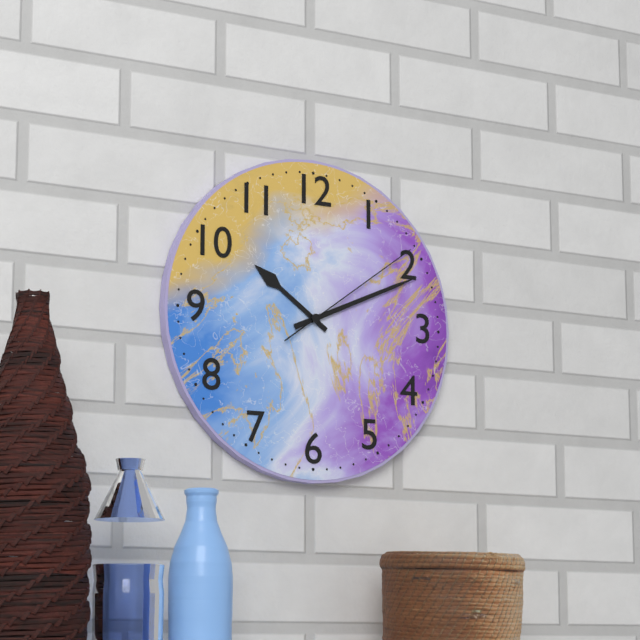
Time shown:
10,11,09
